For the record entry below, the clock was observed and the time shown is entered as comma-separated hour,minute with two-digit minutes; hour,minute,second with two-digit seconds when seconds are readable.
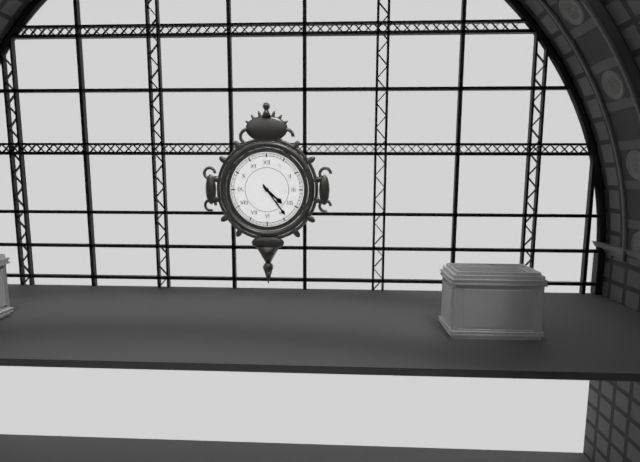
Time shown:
4,24
